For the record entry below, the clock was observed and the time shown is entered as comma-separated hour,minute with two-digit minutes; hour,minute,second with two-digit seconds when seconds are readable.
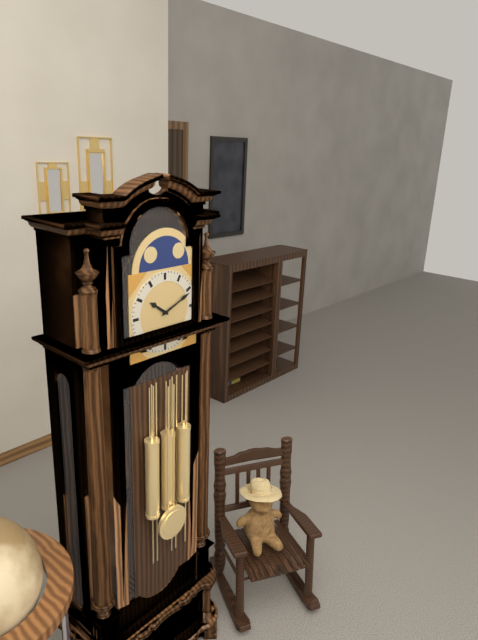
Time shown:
10,11
